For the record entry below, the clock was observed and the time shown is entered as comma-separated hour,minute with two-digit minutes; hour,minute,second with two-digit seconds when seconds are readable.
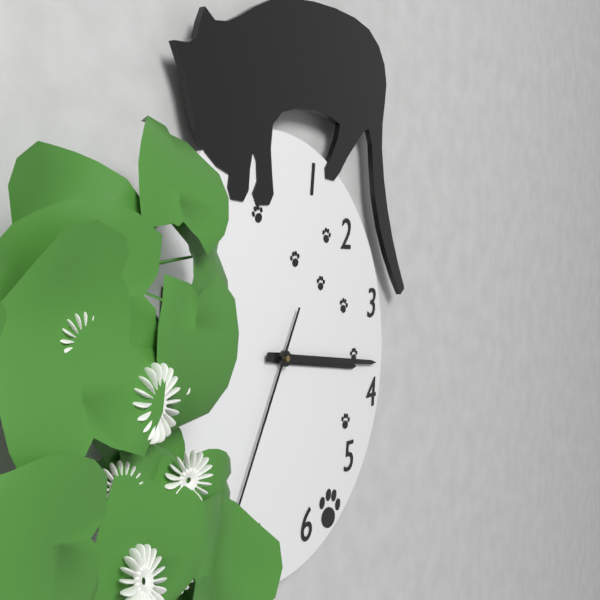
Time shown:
3,16
